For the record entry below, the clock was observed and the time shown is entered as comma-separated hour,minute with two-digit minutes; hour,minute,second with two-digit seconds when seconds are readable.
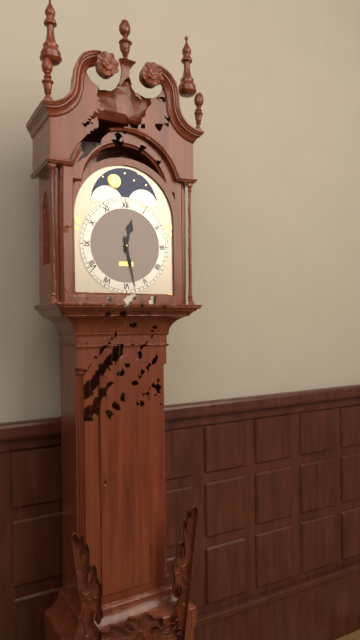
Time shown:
12,28
